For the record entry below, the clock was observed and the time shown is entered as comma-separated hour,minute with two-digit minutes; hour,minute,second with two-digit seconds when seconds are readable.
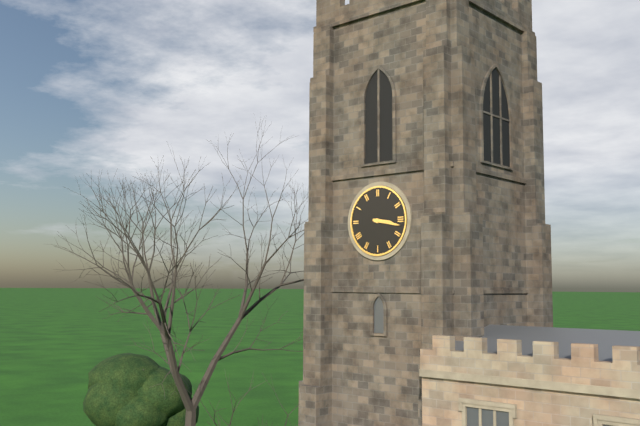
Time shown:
3,17
